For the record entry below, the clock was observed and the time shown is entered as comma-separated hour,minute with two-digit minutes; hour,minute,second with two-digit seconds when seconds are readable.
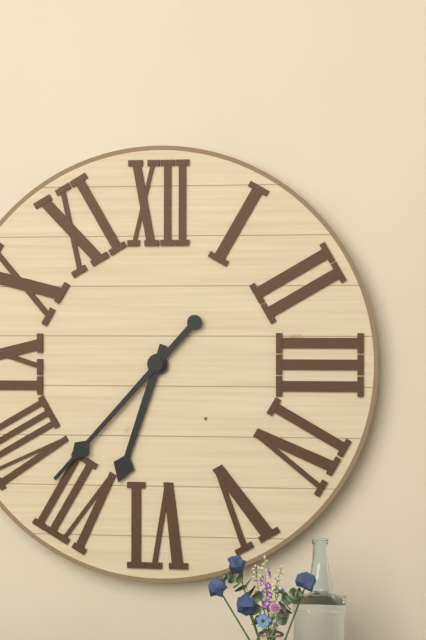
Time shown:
6,37
